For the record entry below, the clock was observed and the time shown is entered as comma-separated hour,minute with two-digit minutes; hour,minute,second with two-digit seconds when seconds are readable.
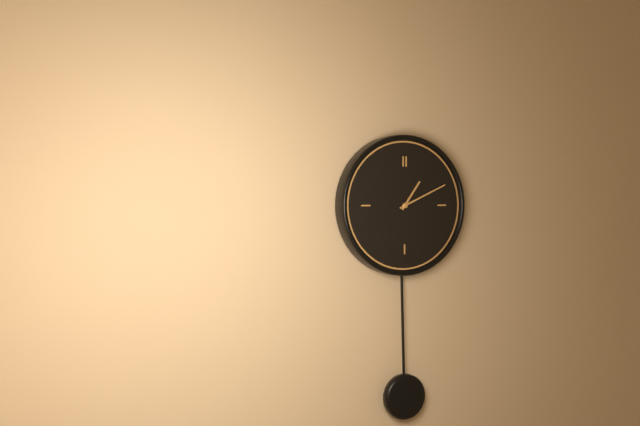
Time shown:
1,11
